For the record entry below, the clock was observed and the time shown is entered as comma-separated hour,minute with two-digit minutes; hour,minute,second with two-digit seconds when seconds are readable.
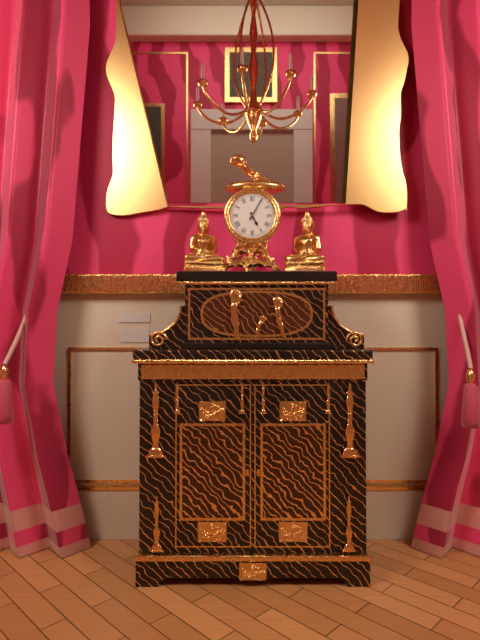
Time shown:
5,05
